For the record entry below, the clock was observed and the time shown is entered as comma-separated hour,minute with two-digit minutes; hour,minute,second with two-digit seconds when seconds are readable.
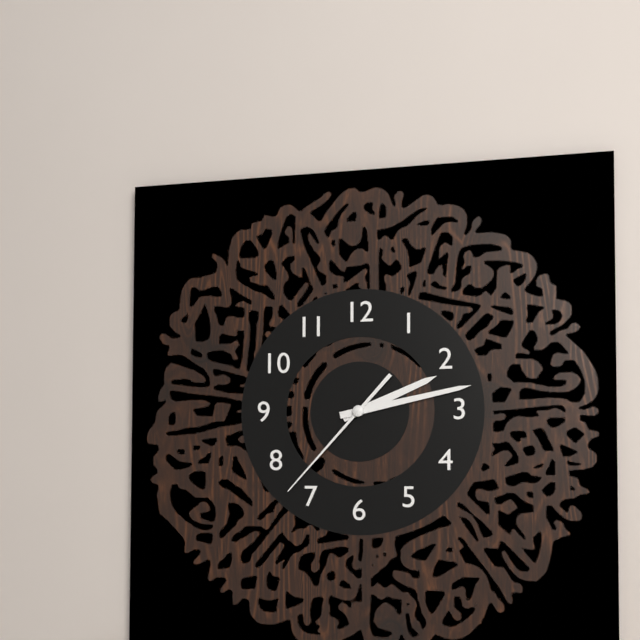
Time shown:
2,13,37
